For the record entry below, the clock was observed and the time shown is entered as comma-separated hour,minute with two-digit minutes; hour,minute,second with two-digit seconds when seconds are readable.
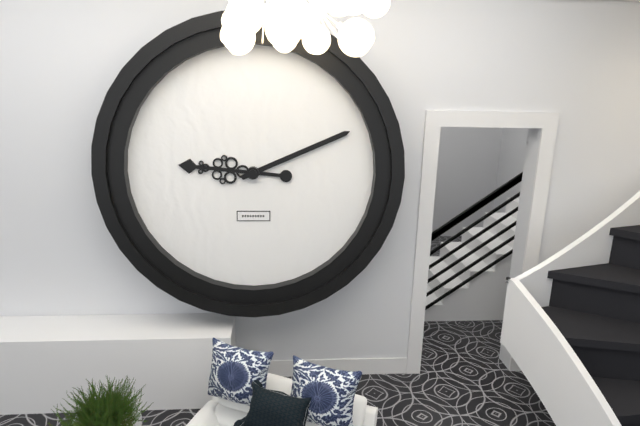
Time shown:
9,11
